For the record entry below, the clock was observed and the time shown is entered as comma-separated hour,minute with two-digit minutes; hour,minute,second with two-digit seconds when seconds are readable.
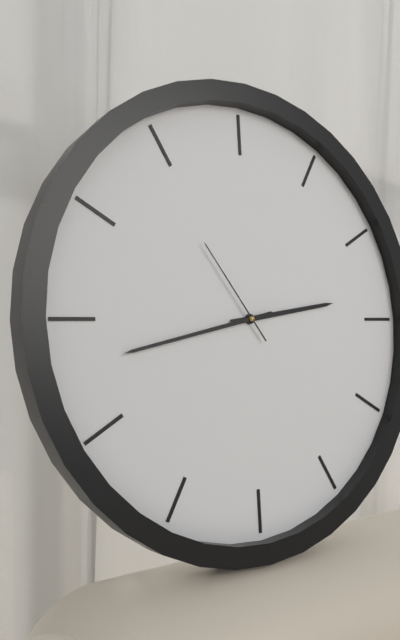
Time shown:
2,43,54
